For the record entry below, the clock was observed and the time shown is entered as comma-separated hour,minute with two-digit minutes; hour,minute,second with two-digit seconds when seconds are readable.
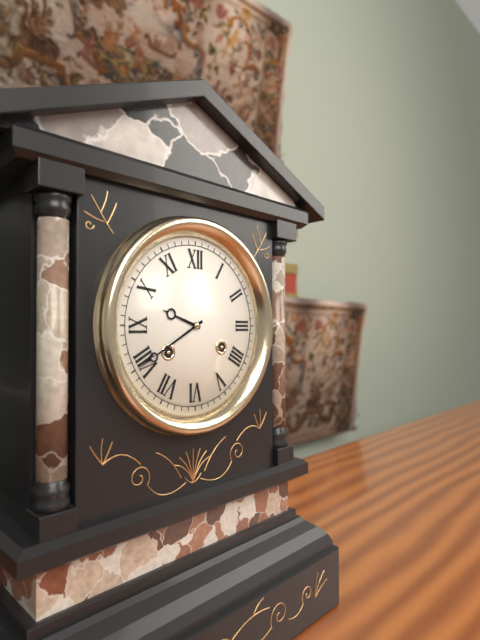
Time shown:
9,40
